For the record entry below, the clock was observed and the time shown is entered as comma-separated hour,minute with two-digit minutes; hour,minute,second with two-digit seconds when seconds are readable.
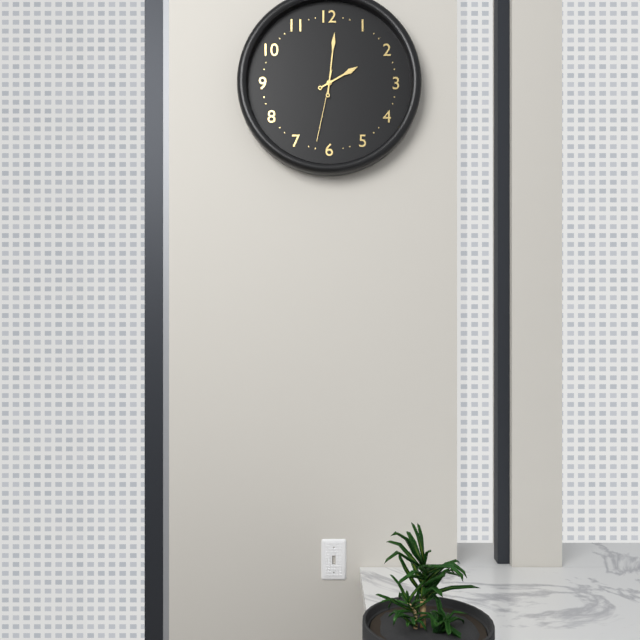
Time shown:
2,01,32
